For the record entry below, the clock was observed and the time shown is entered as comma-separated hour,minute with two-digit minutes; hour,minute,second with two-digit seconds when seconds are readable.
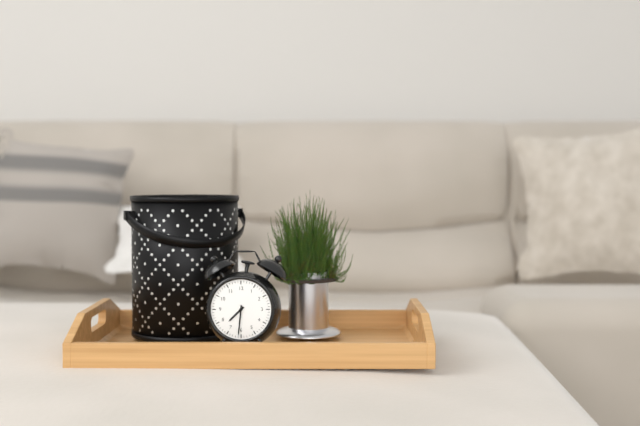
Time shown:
7,31
